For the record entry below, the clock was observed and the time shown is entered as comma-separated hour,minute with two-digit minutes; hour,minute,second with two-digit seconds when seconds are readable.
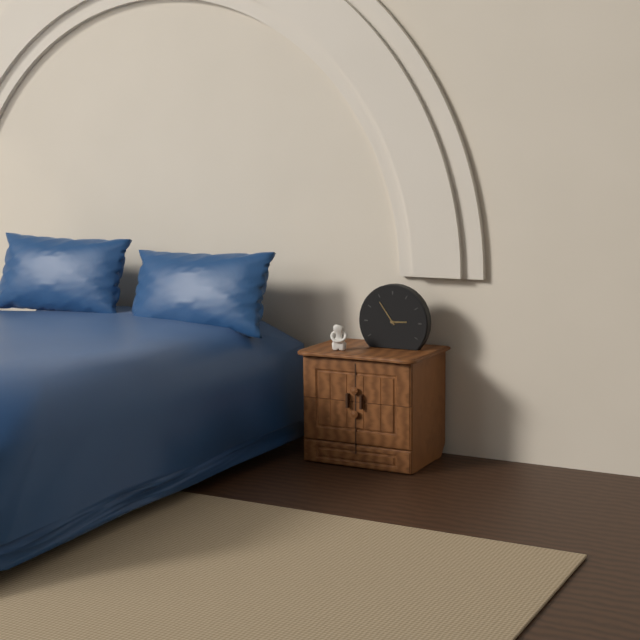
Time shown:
2,54
